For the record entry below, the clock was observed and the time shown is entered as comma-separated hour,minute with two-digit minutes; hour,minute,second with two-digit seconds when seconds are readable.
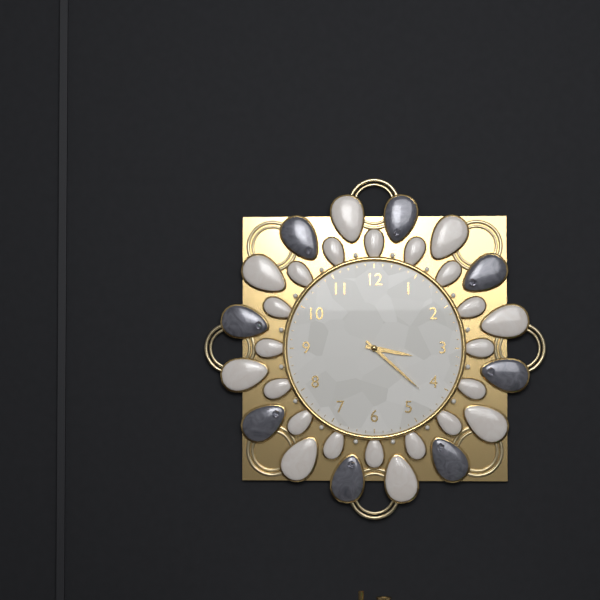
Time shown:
3,22
